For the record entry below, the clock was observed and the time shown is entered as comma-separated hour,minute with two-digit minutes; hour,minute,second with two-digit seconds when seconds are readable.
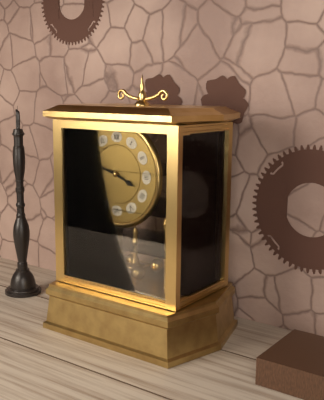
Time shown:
3,48
